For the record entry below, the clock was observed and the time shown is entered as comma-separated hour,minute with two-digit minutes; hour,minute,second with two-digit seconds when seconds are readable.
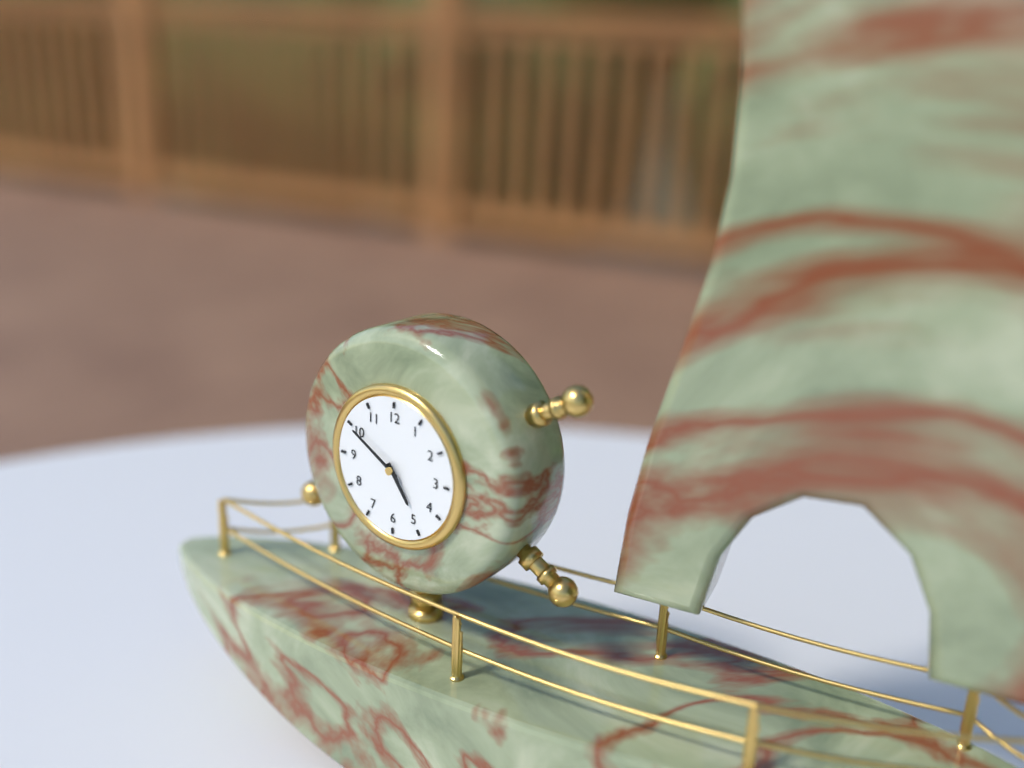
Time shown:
4,50
